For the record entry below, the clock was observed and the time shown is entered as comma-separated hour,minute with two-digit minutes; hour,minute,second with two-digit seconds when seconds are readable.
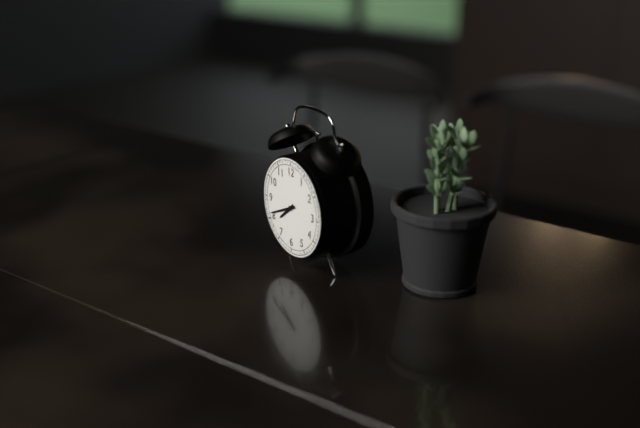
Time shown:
7,41
